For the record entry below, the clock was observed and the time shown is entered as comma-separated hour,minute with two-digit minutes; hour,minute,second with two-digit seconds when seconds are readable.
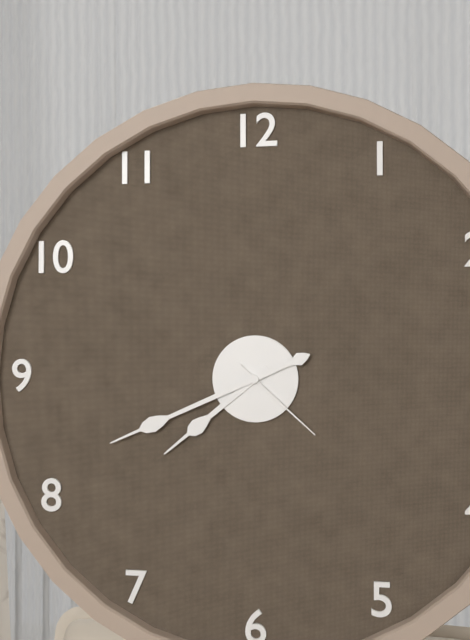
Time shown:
7,41,22
